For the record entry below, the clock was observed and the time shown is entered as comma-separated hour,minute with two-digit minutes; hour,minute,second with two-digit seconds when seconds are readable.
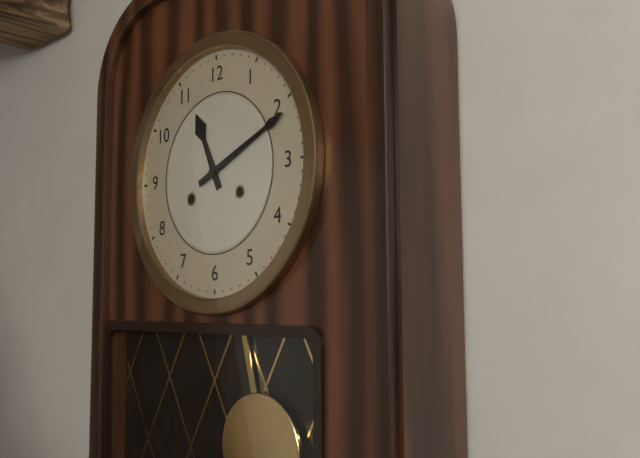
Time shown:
11,11
